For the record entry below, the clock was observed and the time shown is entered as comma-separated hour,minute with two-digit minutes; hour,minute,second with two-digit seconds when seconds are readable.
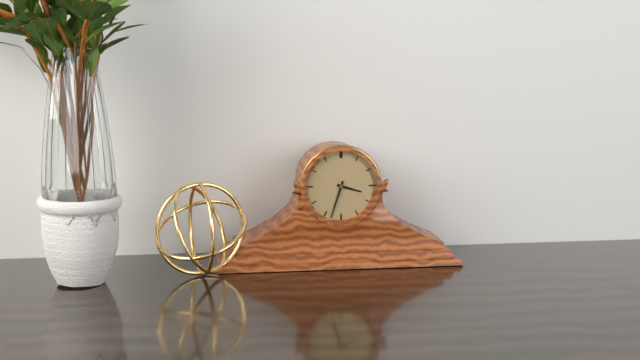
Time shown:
3,33
